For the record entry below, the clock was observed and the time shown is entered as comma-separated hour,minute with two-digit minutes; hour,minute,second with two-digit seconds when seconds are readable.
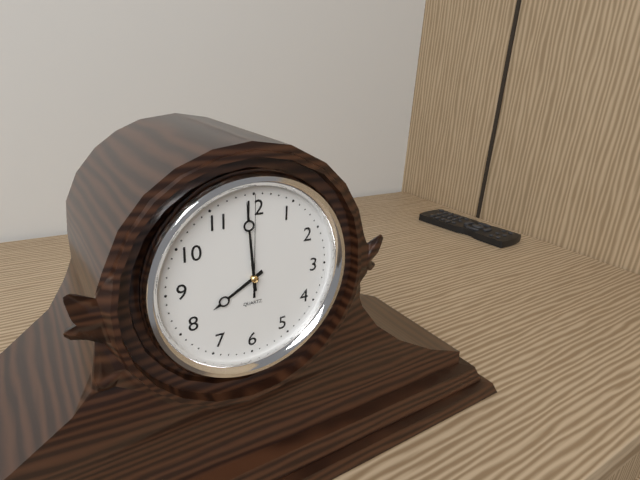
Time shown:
7,59,00
